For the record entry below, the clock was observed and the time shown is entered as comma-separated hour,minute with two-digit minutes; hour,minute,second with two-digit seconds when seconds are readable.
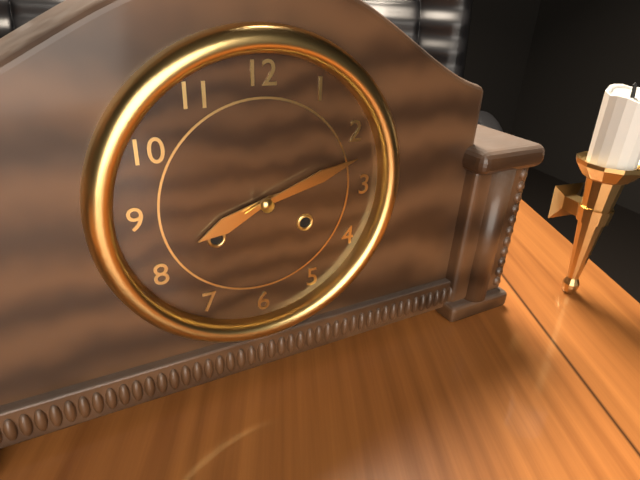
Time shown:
8,12
